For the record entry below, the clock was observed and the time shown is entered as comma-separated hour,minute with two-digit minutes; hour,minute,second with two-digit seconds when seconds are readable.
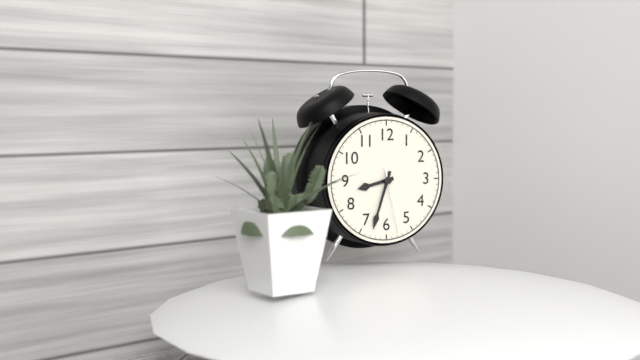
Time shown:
8,33,28
